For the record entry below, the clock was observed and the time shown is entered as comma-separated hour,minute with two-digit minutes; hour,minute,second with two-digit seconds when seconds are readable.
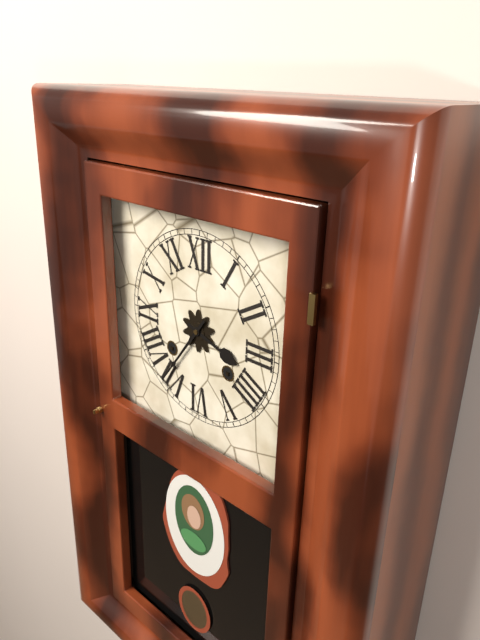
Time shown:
3,36
